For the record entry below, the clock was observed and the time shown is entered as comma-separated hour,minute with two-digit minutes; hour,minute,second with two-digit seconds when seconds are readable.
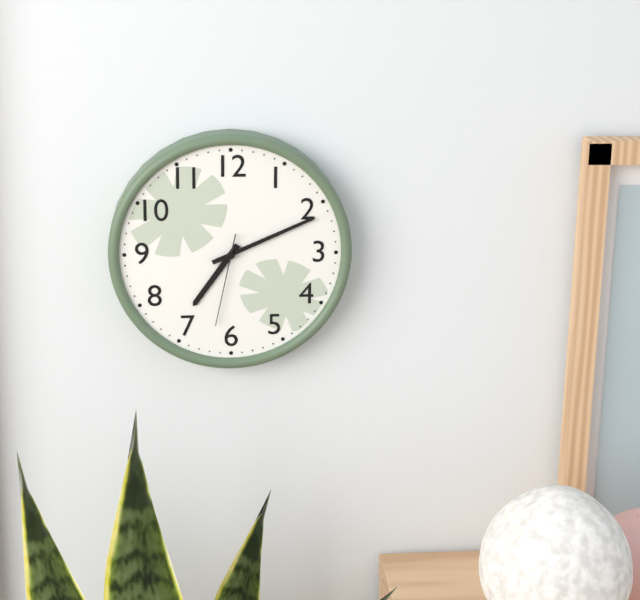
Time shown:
7,11,32
